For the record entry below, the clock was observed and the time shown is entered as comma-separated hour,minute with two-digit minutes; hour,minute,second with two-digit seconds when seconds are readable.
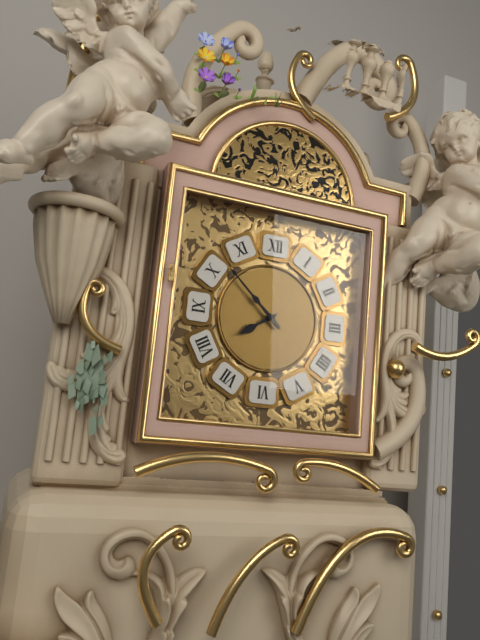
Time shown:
7,52
